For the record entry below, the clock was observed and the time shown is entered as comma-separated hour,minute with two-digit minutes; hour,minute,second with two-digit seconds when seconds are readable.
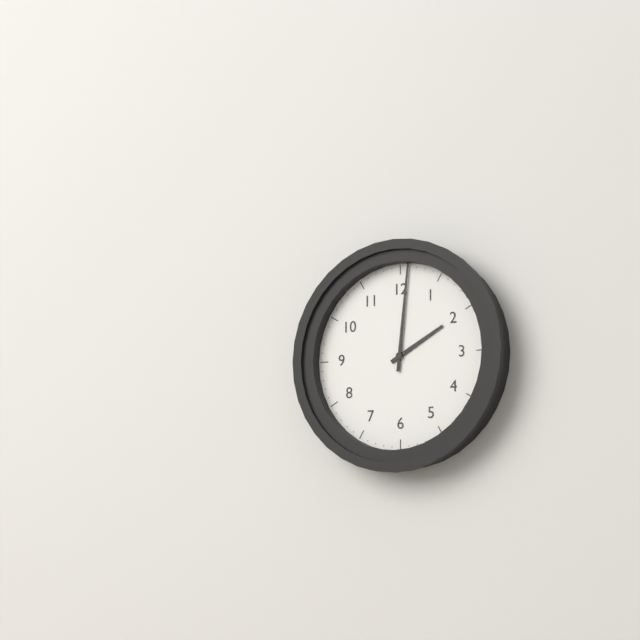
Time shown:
2,01
